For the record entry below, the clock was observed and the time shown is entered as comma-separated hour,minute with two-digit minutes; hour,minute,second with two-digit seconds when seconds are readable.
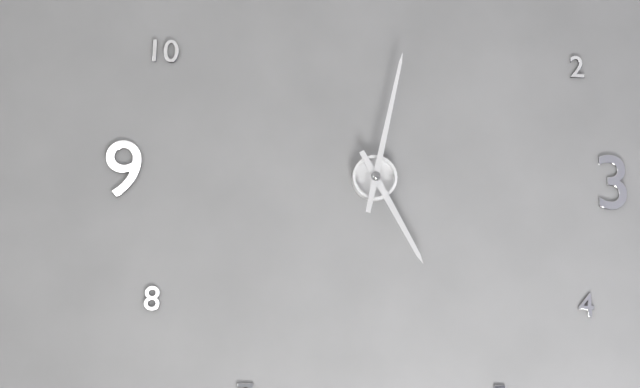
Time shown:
5,02
